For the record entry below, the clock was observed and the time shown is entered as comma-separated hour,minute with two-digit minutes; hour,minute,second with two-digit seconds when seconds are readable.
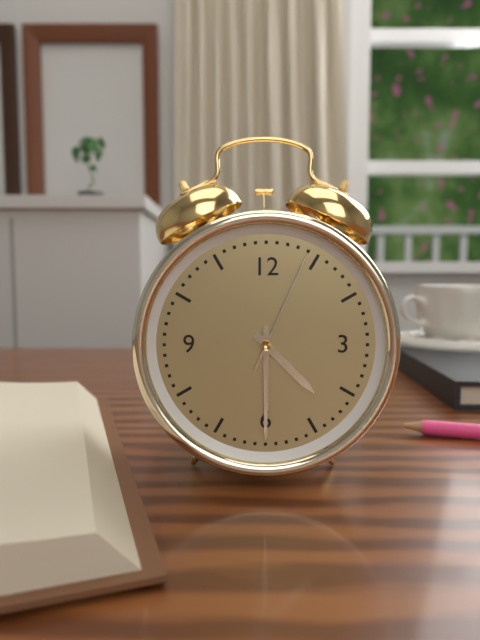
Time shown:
4,30,04
